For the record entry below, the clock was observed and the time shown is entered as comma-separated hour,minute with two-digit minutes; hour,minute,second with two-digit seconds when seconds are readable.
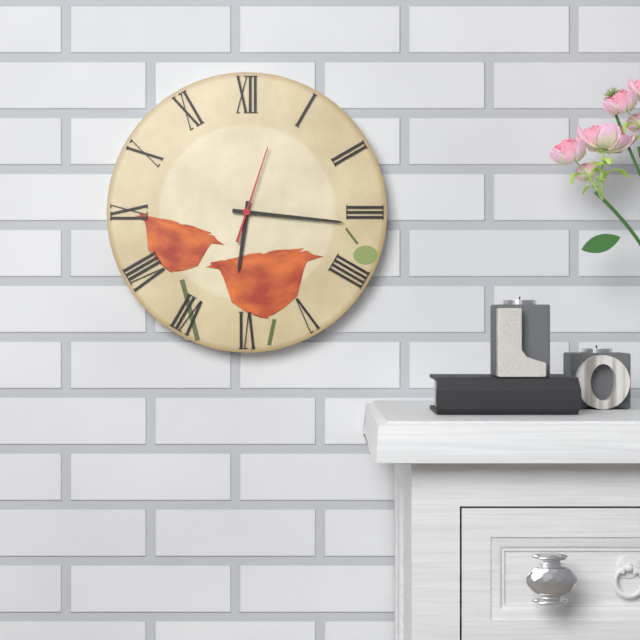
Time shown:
6,16,03
